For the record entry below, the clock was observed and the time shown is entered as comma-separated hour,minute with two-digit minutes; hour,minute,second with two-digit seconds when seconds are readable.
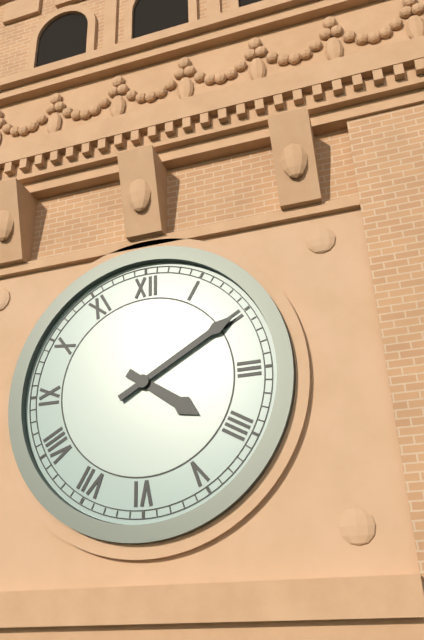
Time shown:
4,10
